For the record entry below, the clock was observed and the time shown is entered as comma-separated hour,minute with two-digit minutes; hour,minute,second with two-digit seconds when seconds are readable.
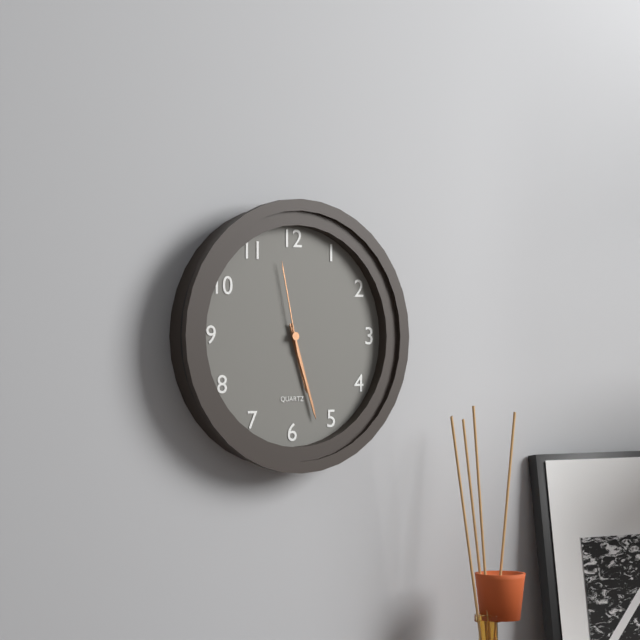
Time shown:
5,27,58
